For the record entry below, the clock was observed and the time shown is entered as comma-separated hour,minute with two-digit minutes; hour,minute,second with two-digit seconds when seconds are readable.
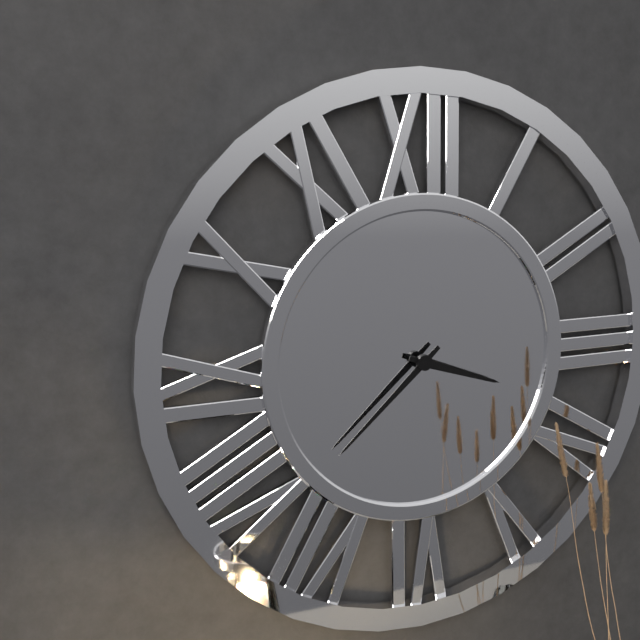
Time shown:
3,38
